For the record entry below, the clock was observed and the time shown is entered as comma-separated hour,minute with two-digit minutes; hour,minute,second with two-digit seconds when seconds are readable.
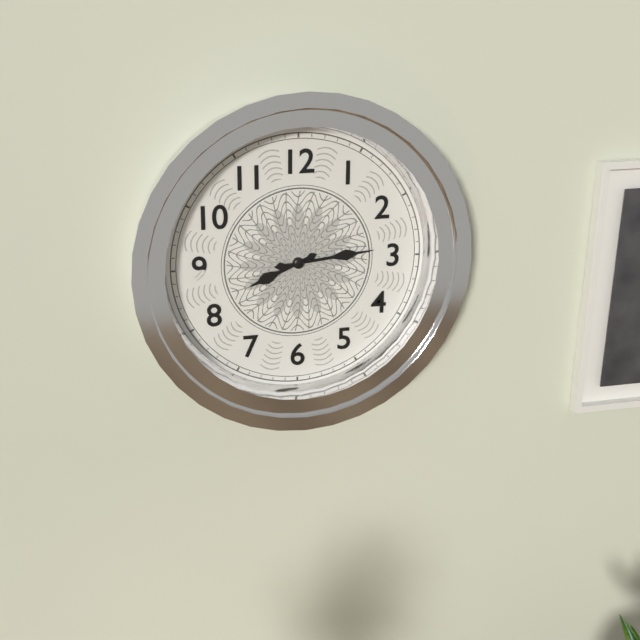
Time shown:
8,14
